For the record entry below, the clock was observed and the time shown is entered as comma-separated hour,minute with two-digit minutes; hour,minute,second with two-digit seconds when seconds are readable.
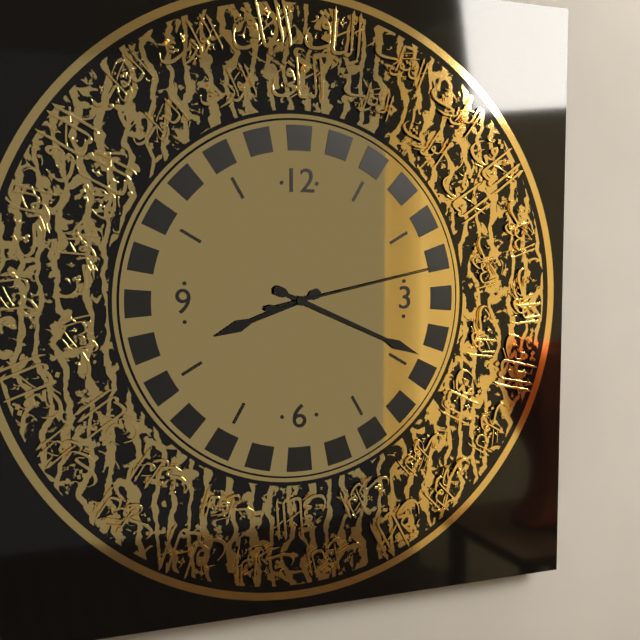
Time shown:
8,19,13
